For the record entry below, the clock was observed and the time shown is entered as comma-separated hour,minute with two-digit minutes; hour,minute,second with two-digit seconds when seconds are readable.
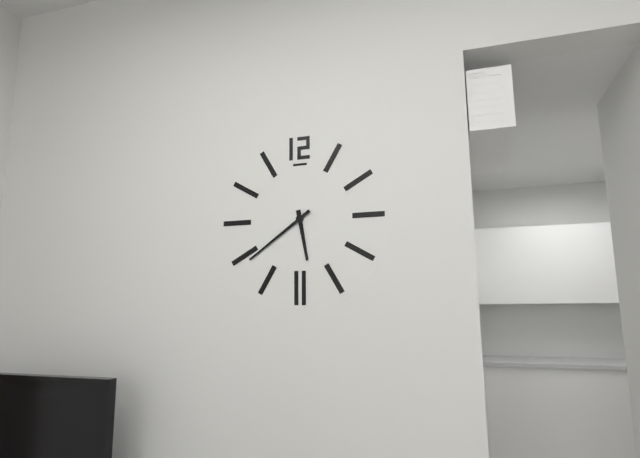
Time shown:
5,39
